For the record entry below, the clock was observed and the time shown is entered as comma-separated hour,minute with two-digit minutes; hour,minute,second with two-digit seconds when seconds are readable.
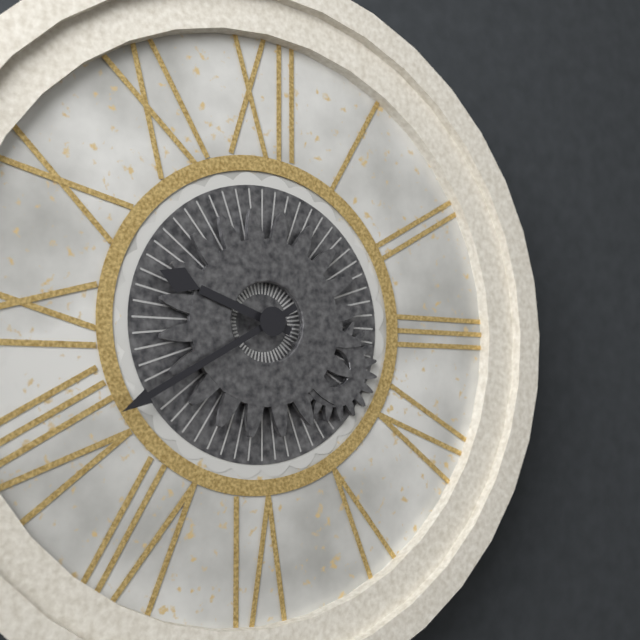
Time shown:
9,40
